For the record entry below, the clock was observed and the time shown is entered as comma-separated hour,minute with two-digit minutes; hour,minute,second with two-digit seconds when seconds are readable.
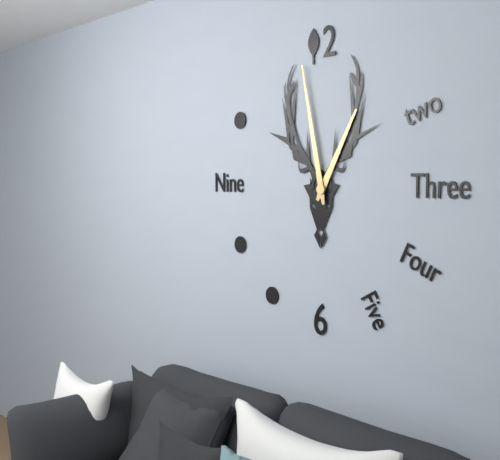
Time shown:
12,58
